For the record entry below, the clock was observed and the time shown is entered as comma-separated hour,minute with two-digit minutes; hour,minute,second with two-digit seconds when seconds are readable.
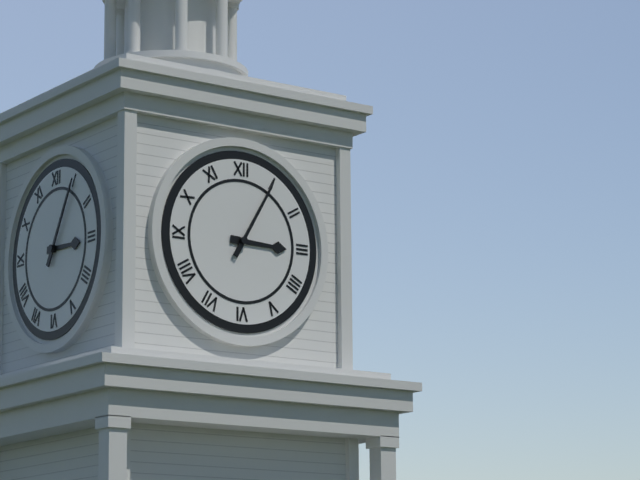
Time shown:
3,05
